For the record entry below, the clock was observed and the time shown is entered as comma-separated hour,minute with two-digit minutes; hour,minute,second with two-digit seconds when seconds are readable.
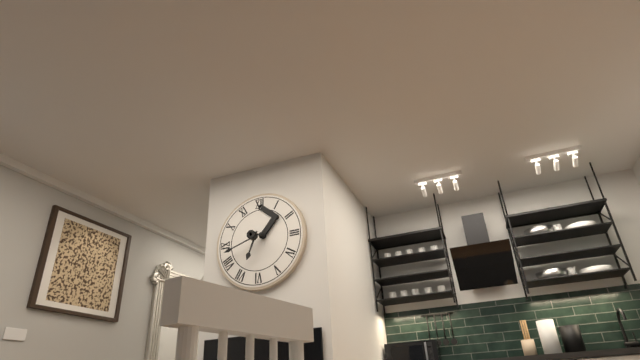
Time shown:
6,42
